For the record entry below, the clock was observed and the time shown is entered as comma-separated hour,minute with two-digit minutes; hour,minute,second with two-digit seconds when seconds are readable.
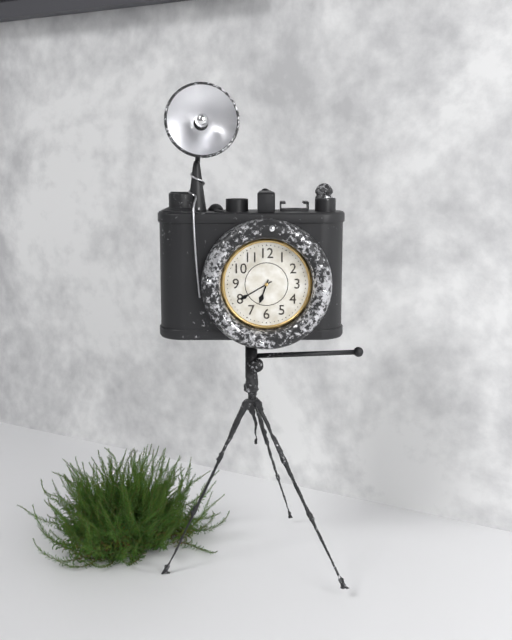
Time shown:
6,40
